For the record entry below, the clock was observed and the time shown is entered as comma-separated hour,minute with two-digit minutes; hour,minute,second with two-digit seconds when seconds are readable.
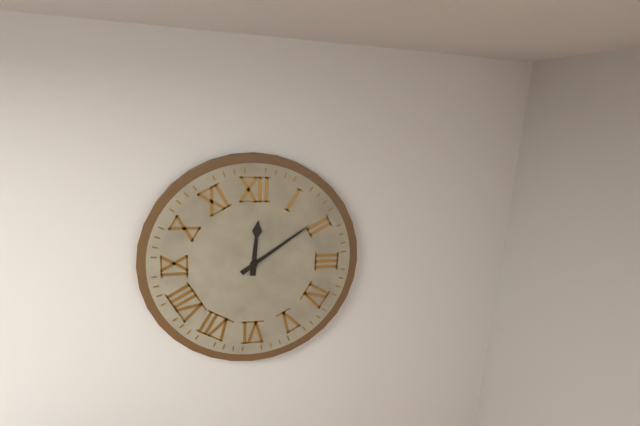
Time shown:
12,09
